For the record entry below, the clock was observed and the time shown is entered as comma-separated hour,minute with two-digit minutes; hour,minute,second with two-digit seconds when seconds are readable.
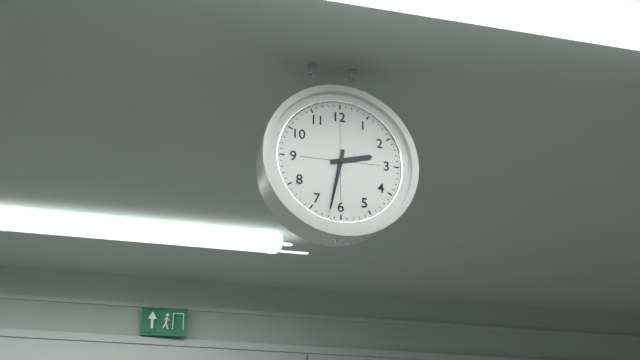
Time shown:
2,32
